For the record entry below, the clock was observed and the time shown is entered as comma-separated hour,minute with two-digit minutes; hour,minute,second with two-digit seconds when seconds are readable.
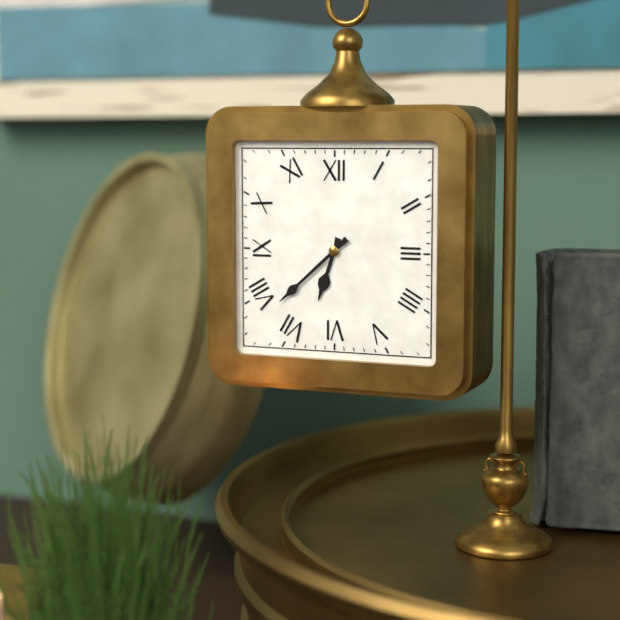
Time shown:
6,38
